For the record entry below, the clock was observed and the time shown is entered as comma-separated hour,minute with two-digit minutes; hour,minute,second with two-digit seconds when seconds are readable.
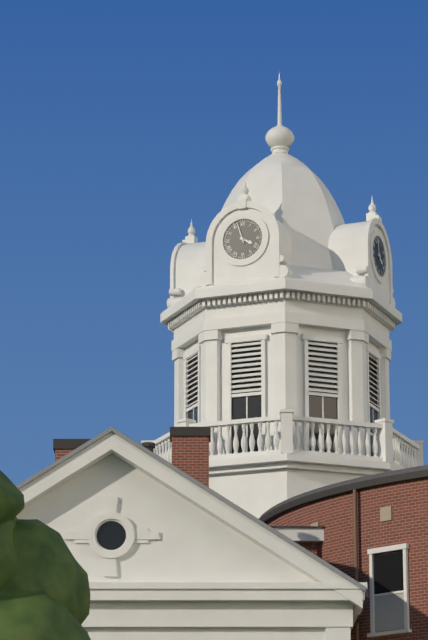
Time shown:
3,57
